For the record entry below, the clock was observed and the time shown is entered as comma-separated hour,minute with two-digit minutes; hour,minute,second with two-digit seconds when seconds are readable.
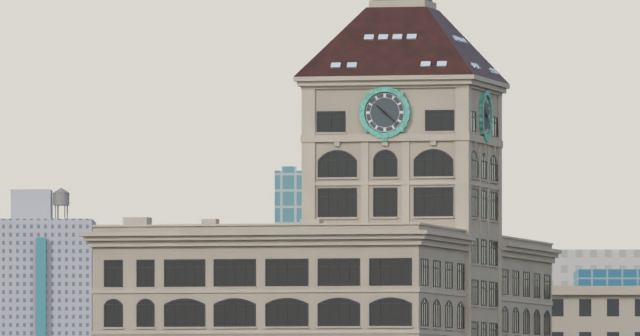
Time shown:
10,22
